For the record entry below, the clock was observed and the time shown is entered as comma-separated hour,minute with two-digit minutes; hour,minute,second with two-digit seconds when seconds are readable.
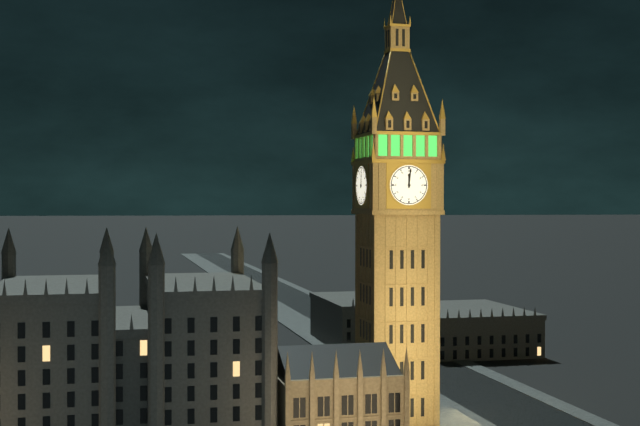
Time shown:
12,01
